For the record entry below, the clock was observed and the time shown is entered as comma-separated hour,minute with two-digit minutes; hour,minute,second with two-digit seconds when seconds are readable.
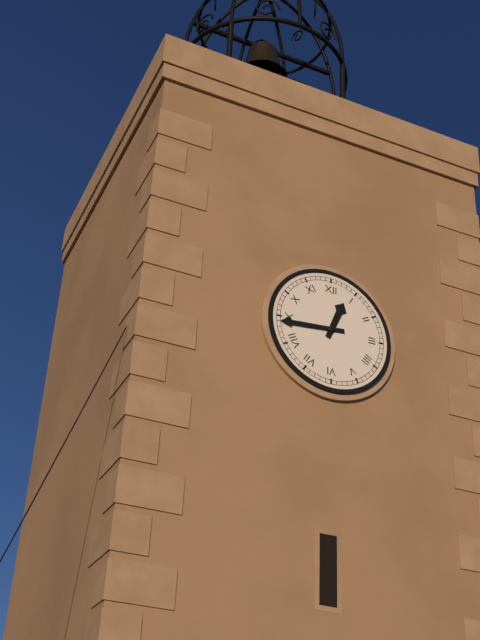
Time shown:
12,44
